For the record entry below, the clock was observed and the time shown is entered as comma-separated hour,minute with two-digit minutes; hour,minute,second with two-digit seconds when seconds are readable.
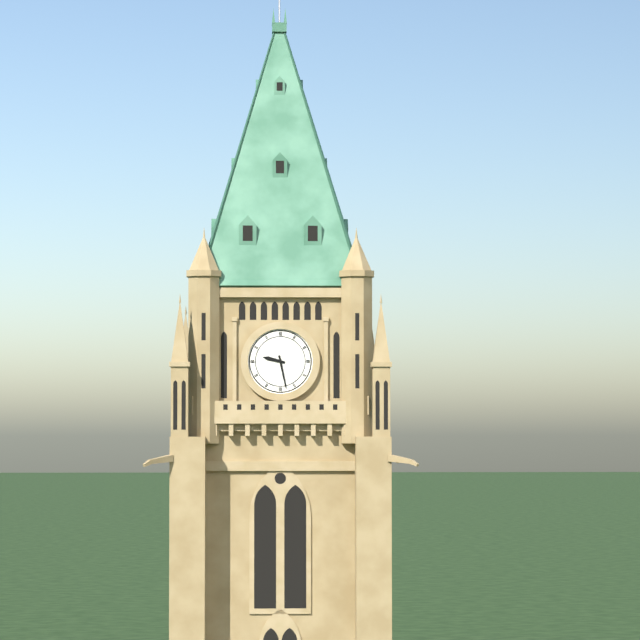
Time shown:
9,28
